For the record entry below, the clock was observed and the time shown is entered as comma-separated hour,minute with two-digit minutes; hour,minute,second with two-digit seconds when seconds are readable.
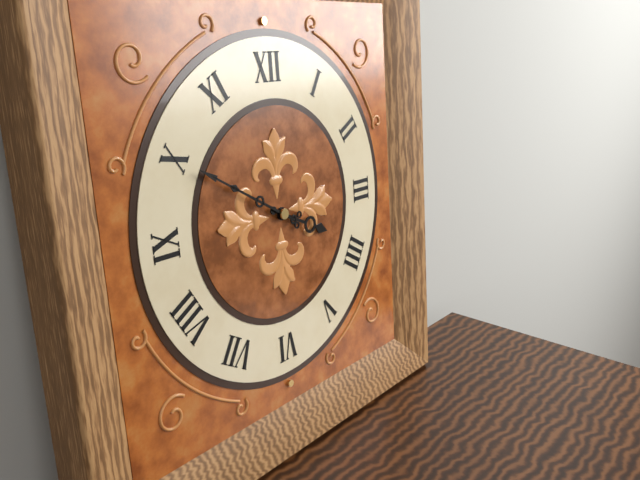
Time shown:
3,50
